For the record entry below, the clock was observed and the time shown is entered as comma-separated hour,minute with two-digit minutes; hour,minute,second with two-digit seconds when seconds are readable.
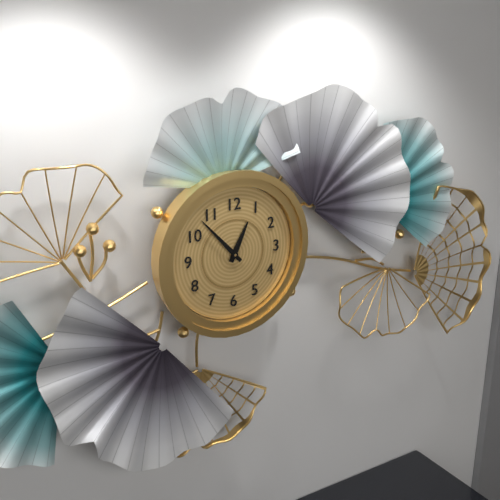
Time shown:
12,53
